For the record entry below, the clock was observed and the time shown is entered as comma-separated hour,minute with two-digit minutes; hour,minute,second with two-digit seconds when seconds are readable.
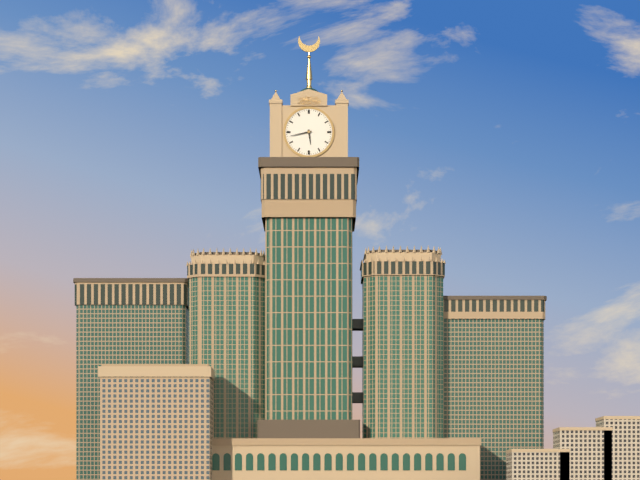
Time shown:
5,43
